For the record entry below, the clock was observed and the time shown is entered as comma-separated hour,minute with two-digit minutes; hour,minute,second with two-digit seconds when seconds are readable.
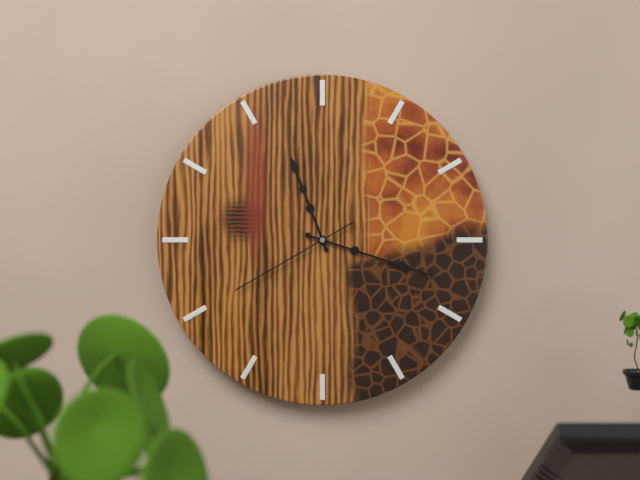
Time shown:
11,18,40
